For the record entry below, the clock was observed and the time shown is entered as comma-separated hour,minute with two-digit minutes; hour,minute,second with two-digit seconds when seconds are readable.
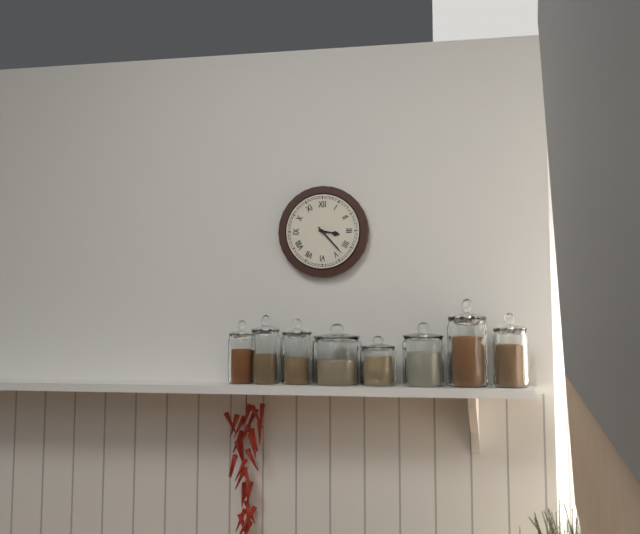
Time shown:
3,23
